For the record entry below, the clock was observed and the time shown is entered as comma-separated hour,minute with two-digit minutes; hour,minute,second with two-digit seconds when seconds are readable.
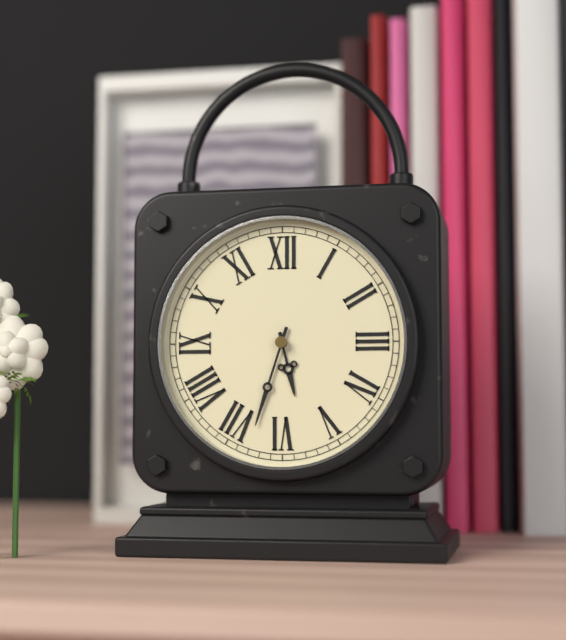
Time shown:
5,33
